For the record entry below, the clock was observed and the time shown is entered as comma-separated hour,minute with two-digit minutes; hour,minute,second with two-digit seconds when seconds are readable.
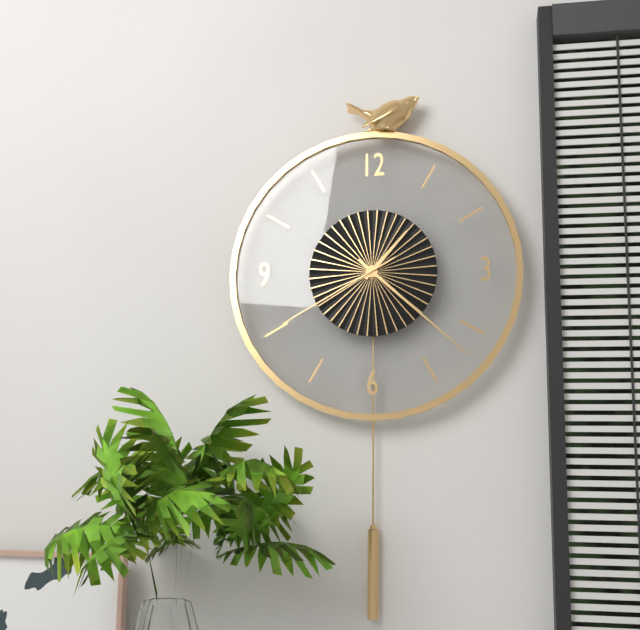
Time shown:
1,22,40
